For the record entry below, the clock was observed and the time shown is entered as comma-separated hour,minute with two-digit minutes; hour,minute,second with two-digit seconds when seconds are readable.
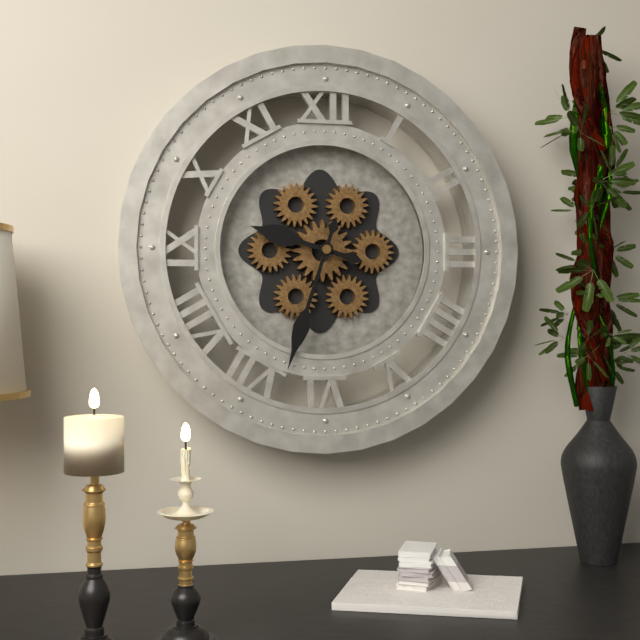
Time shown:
9,33
